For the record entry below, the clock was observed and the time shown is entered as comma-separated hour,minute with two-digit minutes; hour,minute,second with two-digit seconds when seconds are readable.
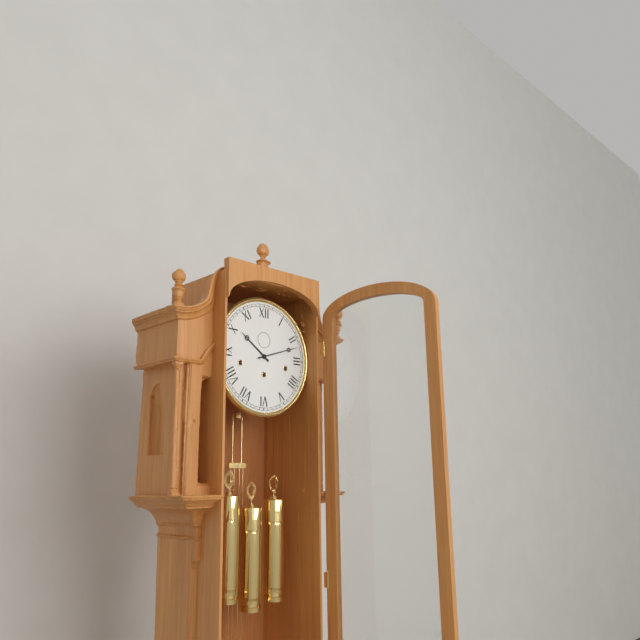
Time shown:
10,12
